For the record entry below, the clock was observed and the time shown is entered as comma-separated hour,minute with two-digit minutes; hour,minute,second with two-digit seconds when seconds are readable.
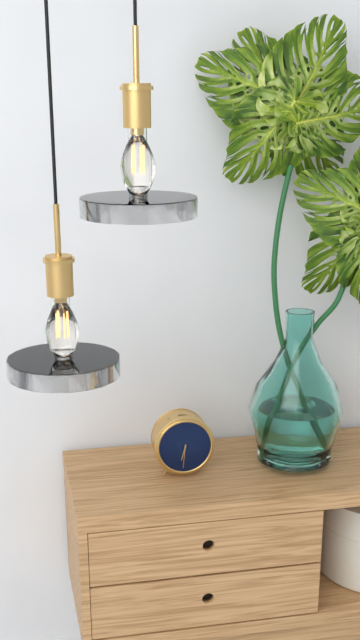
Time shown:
6,31
